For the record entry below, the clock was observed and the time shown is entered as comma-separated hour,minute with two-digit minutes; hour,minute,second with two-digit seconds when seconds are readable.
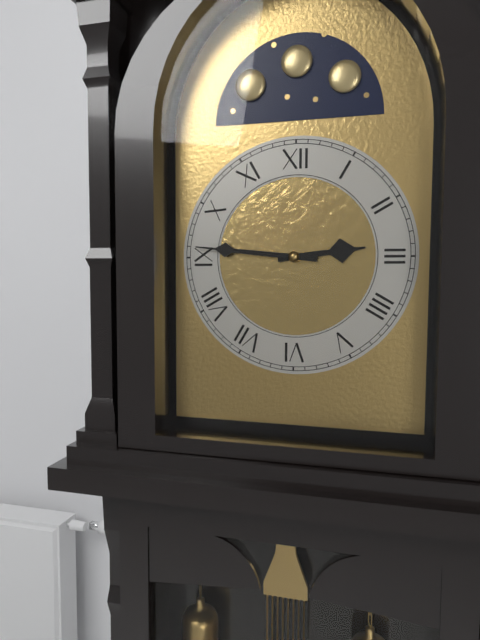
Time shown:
2,46
